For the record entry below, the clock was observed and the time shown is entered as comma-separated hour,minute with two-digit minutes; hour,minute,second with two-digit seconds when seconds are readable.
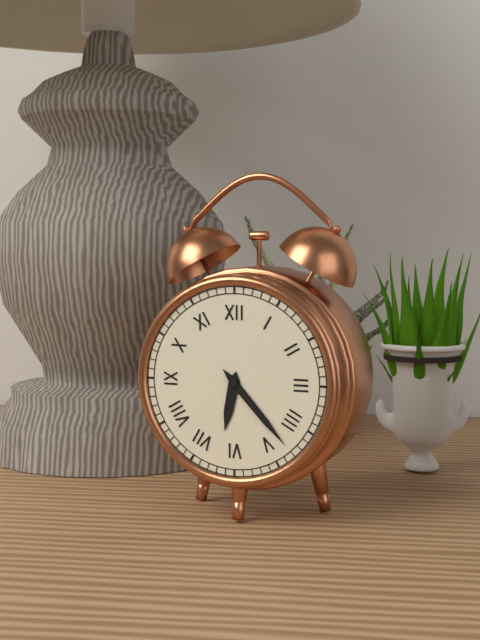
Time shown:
6,23
